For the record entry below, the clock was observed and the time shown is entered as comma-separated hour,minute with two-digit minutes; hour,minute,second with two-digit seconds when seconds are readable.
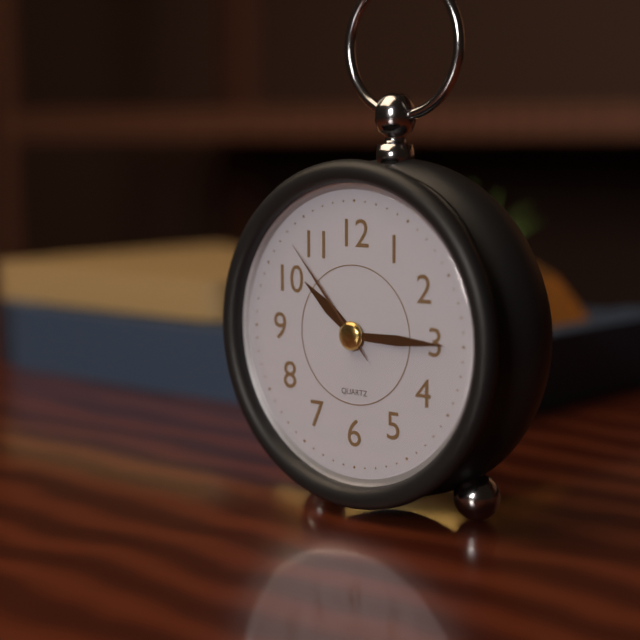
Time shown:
10,15,53
